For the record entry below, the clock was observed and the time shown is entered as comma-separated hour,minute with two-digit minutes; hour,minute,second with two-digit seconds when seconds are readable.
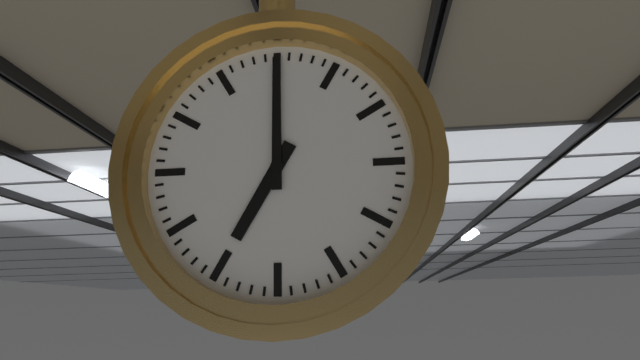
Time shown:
7,00
